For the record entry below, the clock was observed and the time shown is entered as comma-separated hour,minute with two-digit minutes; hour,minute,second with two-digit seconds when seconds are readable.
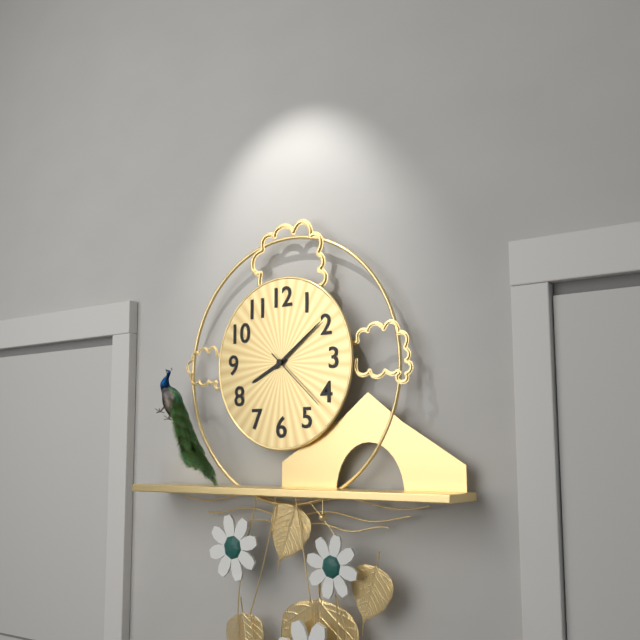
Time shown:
8,09,22
